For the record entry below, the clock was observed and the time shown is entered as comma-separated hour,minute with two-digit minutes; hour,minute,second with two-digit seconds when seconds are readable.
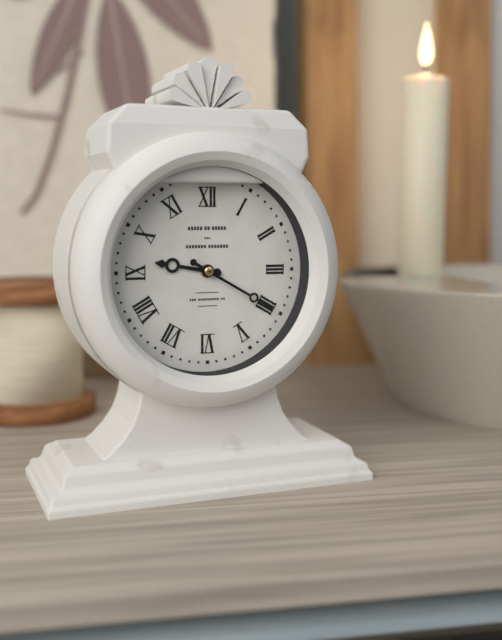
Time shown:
9,20
